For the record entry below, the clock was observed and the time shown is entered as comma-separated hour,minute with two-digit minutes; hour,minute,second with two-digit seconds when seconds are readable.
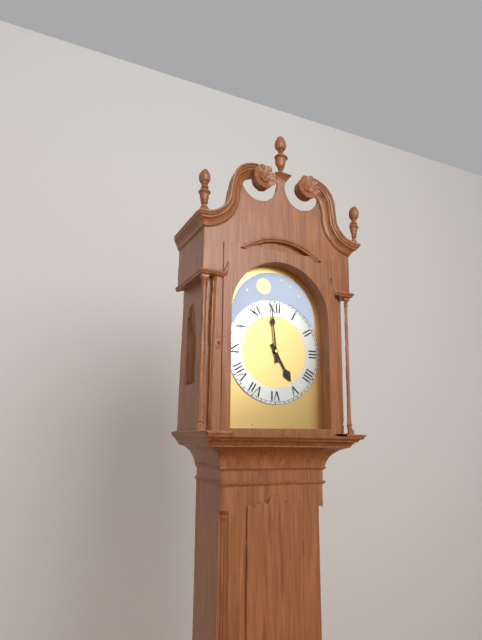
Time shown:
4,59
